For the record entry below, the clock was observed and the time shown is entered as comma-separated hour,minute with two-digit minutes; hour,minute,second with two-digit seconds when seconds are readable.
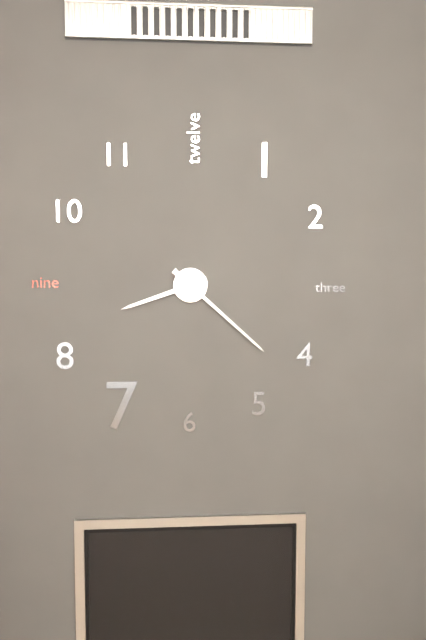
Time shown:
8,22
